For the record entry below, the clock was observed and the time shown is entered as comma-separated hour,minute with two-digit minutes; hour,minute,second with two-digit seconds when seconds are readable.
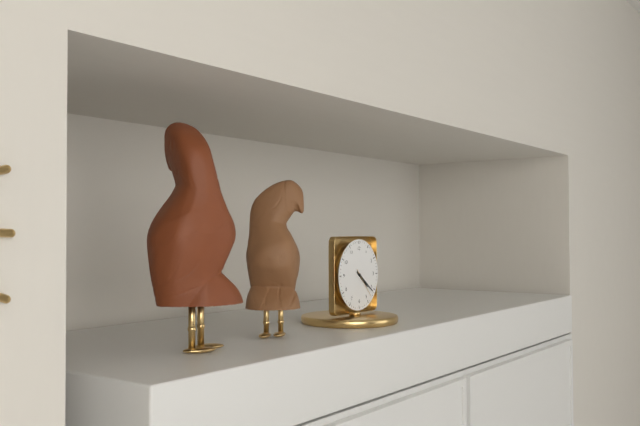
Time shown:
4,21
